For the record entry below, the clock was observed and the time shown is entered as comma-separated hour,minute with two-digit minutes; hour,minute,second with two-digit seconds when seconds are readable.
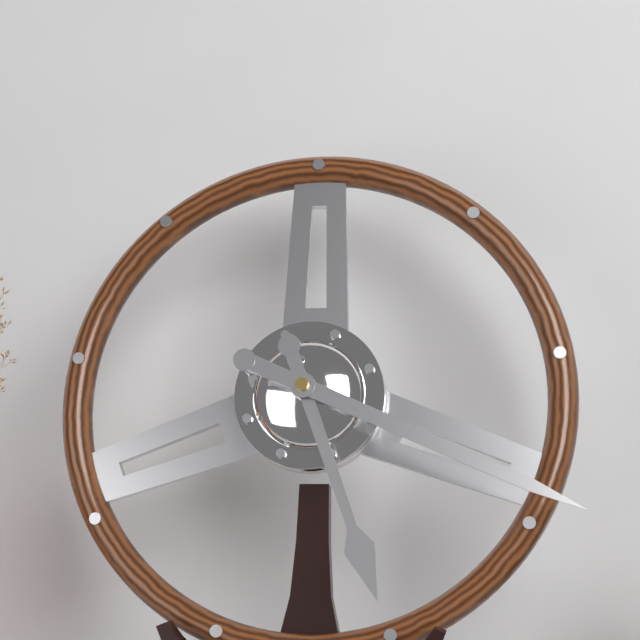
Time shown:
5,19
